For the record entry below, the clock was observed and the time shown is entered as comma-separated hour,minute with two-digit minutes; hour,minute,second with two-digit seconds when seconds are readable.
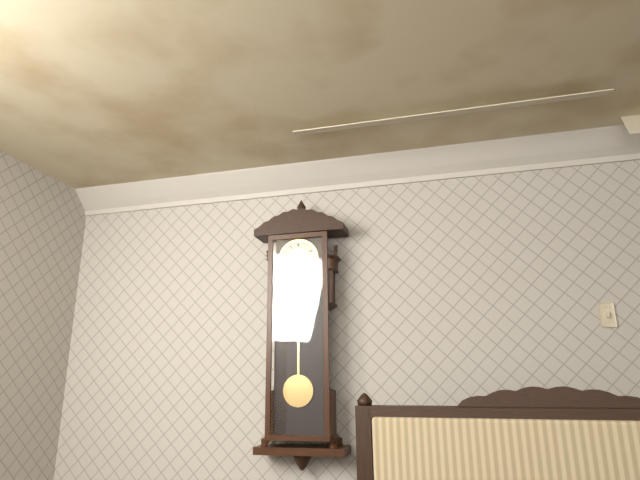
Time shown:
4,34
